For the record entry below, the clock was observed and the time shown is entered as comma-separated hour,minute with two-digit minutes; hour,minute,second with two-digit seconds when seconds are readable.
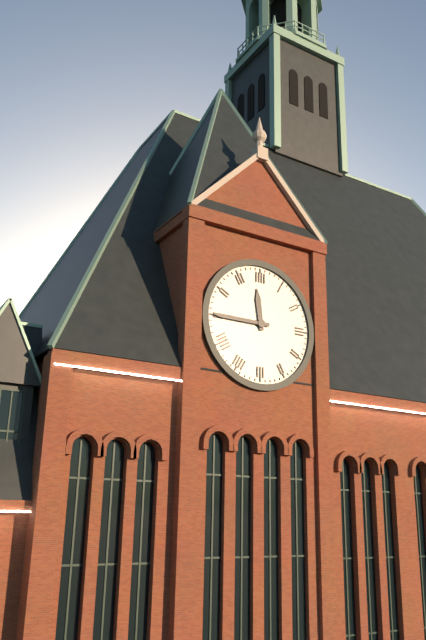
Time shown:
11,45
